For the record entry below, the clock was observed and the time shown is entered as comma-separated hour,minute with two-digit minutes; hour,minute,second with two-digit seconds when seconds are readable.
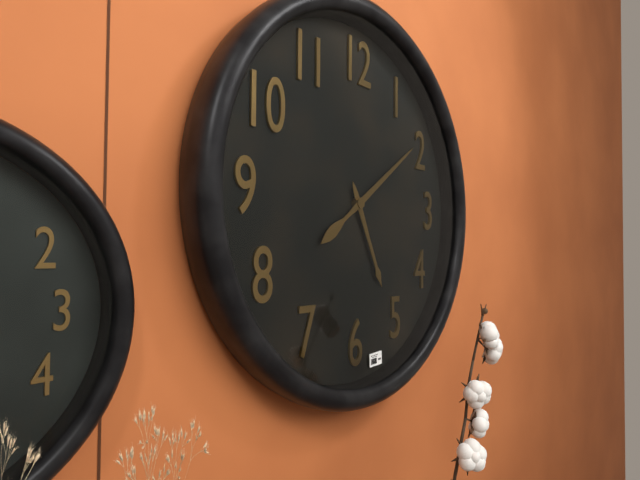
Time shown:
5,09
